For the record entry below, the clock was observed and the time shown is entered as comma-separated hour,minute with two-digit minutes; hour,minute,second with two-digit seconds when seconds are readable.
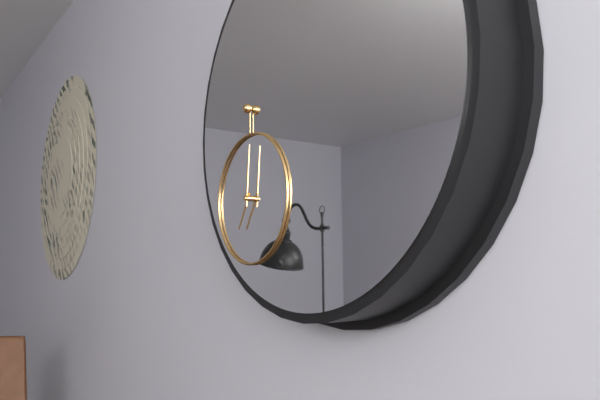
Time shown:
7,01
